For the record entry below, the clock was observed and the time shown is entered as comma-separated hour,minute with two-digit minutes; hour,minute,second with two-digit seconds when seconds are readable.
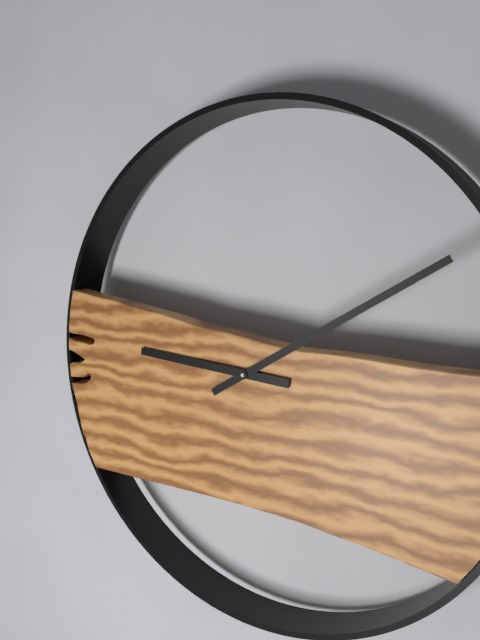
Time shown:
9,10
